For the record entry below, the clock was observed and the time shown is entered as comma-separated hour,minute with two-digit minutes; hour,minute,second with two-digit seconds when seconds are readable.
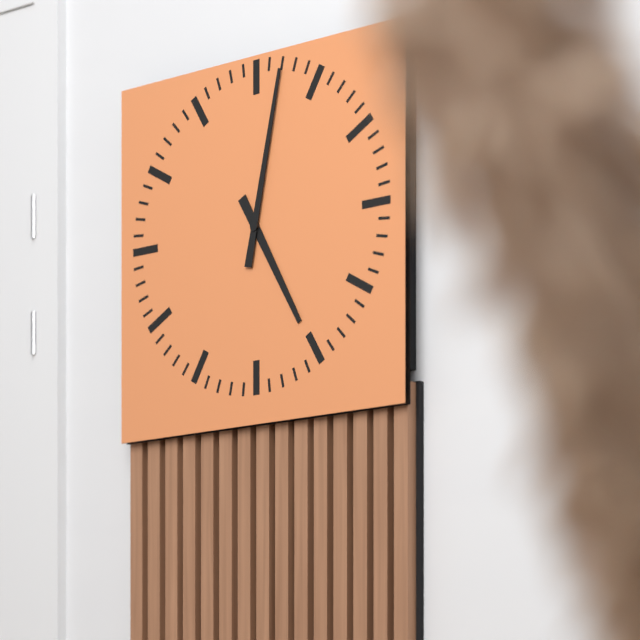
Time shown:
5,02
